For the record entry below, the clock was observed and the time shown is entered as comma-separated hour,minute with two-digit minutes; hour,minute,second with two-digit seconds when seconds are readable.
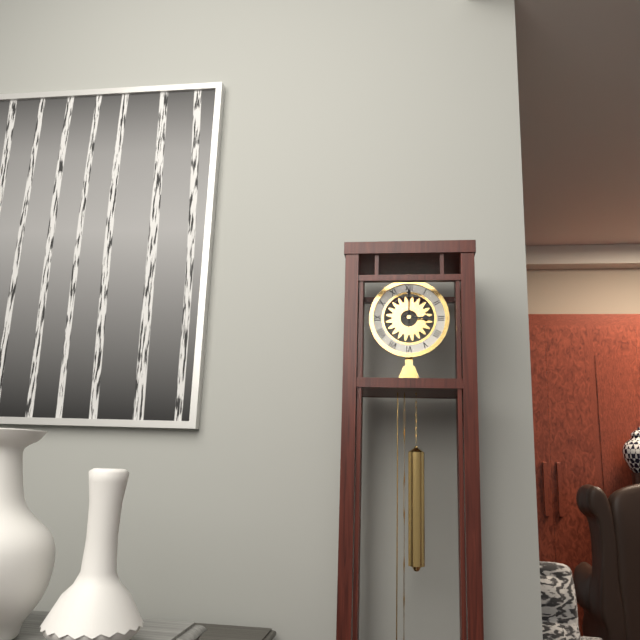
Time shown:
3,00
